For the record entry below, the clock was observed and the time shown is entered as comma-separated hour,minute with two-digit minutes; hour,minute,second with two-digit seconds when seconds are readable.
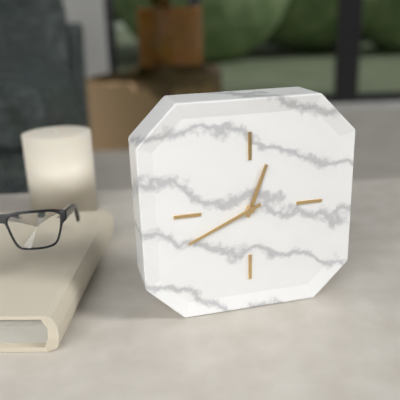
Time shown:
12,41
